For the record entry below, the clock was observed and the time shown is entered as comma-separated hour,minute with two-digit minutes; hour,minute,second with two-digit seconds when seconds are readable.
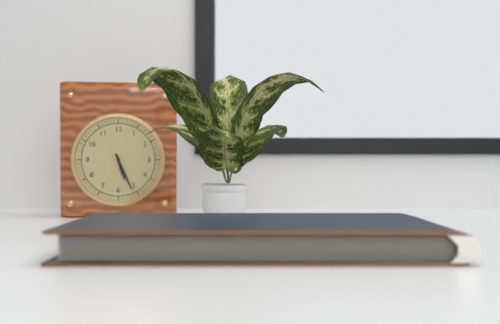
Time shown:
5,26
